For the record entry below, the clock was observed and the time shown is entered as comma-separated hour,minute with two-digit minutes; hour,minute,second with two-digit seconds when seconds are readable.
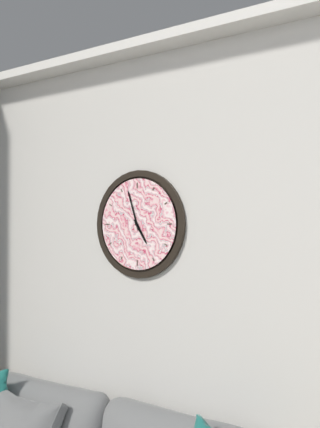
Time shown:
4,57
